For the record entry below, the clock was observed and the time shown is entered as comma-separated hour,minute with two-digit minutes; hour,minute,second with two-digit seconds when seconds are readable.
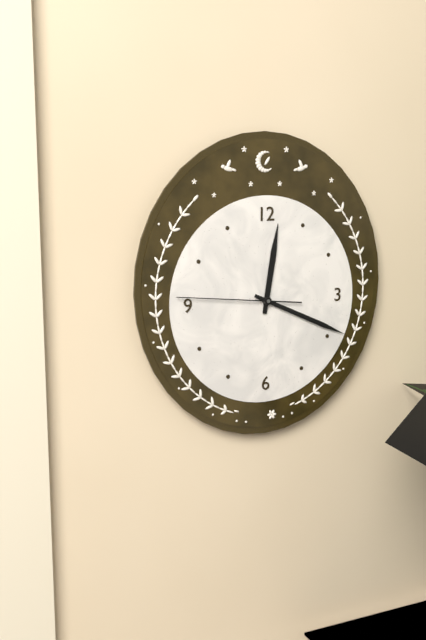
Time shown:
12,19,46
